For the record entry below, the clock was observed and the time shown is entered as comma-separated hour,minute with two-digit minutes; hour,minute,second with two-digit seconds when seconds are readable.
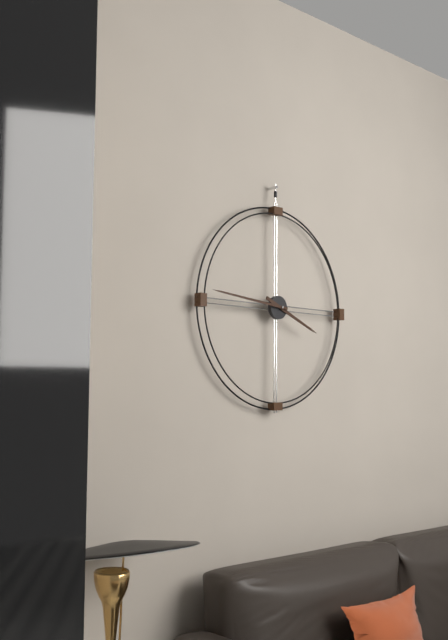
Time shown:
3,46
